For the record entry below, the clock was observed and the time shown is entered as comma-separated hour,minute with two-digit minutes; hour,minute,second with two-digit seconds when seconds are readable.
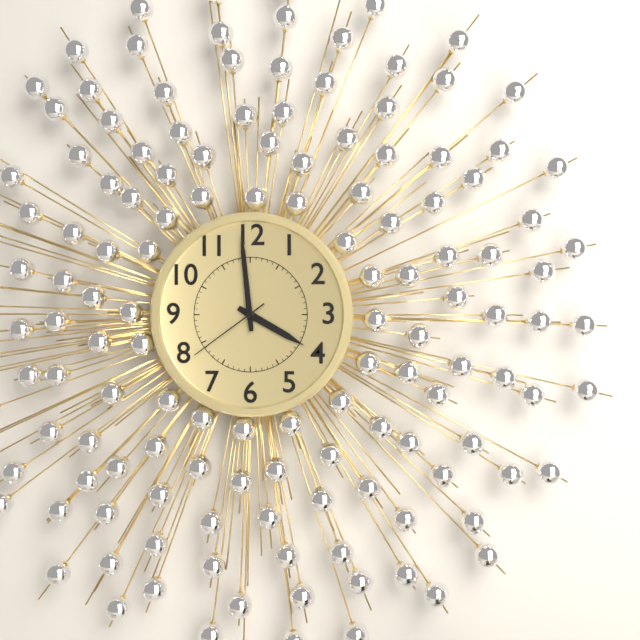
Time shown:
3,59,39
